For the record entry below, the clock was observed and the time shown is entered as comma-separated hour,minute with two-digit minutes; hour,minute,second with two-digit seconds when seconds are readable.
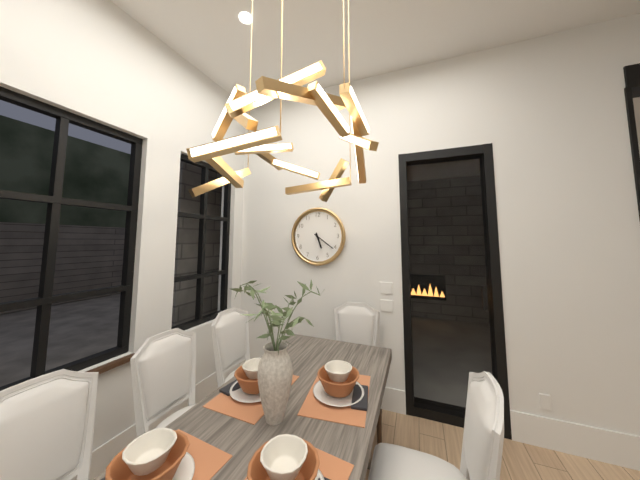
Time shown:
5,21
